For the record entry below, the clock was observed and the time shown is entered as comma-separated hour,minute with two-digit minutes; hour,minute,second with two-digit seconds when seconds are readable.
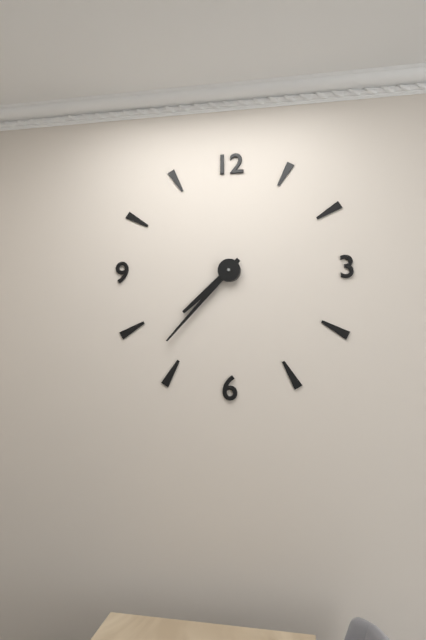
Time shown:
7,37
